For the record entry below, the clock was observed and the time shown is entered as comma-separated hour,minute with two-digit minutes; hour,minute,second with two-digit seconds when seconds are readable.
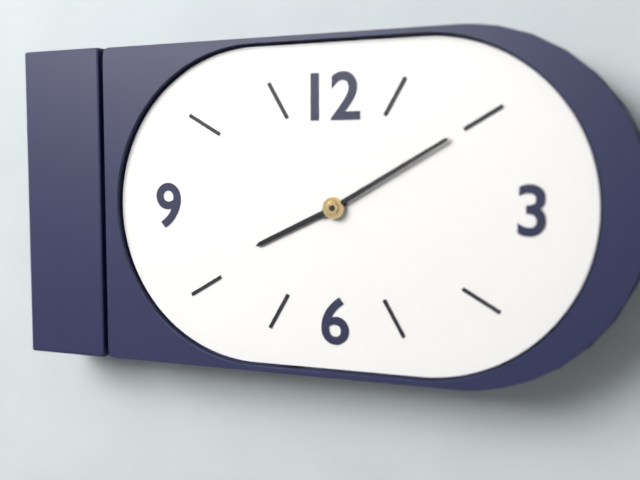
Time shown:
8,10
